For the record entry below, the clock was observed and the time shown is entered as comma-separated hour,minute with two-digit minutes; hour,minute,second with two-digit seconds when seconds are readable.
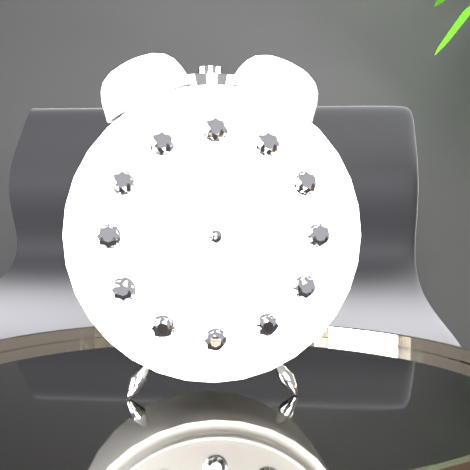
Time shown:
10,10,34
